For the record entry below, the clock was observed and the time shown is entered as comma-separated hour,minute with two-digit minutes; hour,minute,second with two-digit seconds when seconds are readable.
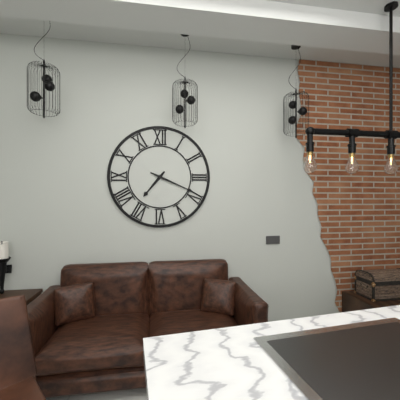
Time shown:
7,19
